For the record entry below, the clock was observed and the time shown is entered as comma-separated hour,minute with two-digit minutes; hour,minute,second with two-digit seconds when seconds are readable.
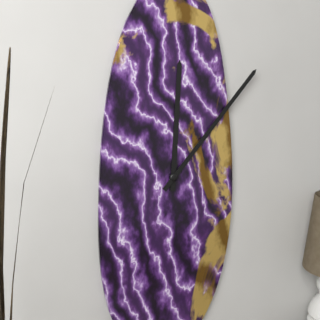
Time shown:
12,07
